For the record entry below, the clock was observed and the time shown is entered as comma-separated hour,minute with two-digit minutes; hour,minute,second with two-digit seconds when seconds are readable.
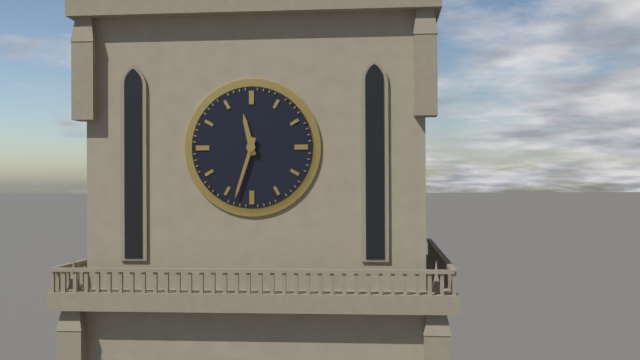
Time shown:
11,33
